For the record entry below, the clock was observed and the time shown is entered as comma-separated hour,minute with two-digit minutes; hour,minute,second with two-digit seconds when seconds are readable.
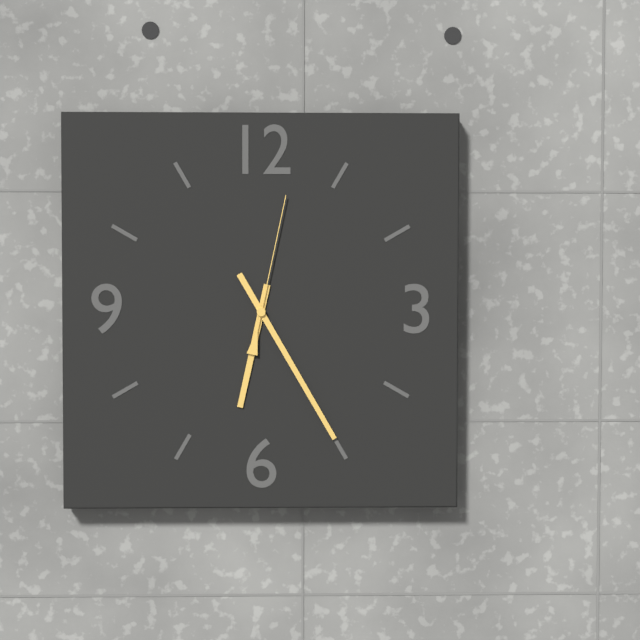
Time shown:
6,25,02
